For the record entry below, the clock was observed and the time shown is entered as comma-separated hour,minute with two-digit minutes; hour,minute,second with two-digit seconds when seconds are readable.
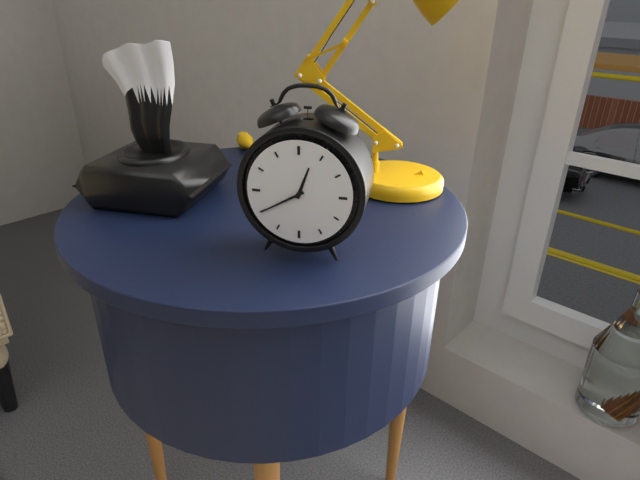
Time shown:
12,40
